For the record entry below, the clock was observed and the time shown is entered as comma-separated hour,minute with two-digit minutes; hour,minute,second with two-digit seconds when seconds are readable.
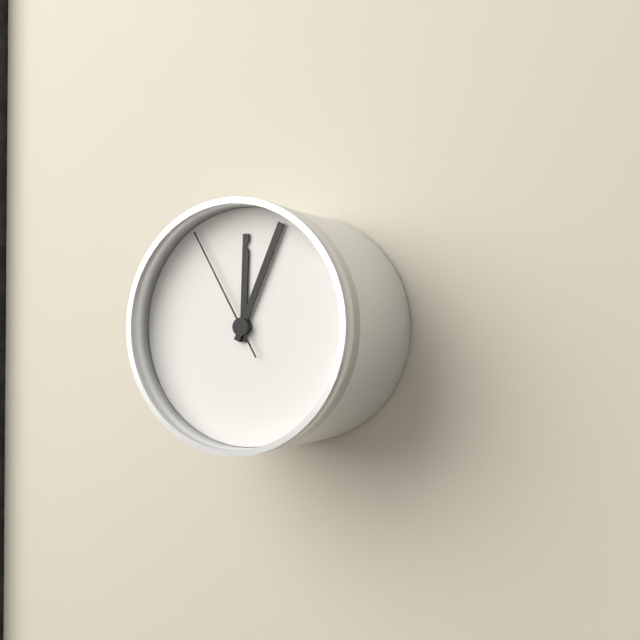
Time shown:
12,04,55
